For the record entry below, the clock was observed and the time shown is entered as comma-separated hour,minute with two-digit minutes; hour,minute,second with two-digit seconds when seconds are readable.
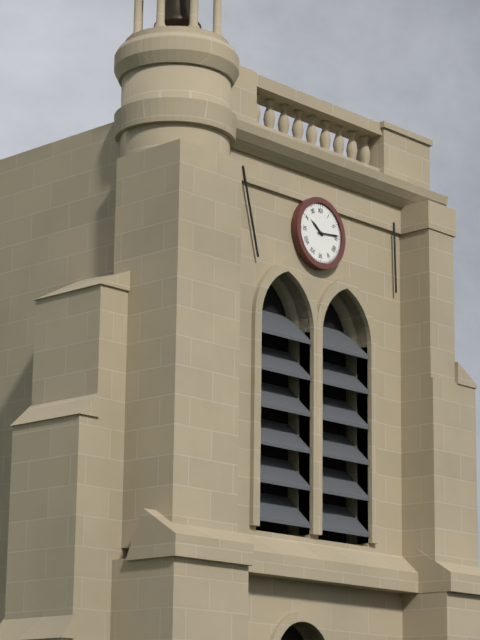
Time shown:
10,14
